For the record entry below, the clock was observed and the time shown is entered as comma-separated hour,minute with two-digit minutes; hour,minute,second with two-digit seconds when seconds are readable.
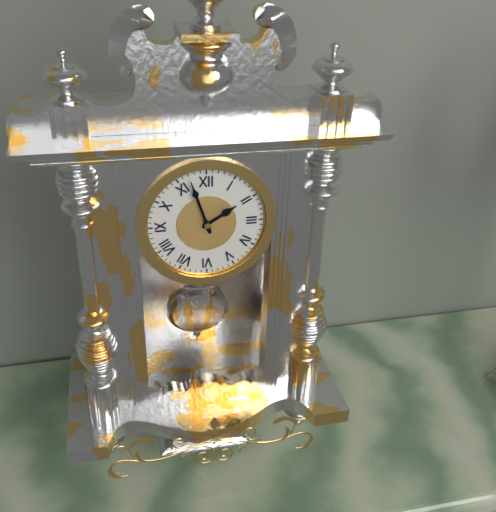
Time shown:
1,57
